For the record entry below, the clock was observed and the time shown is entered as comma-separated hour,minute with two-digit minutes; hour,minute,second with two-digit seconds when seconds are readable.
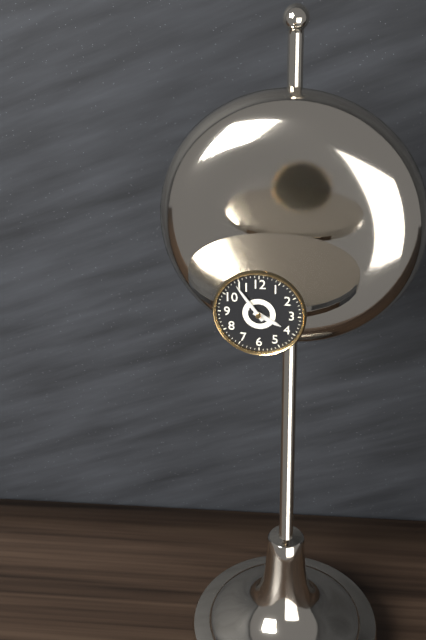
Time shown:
3,54
